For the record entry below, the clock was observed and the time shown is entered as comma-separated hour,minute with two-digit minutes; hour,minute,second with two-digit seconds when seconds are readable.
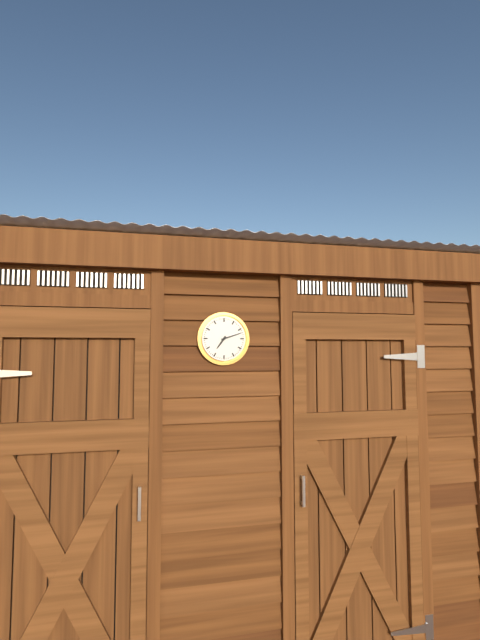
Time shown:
7,12
